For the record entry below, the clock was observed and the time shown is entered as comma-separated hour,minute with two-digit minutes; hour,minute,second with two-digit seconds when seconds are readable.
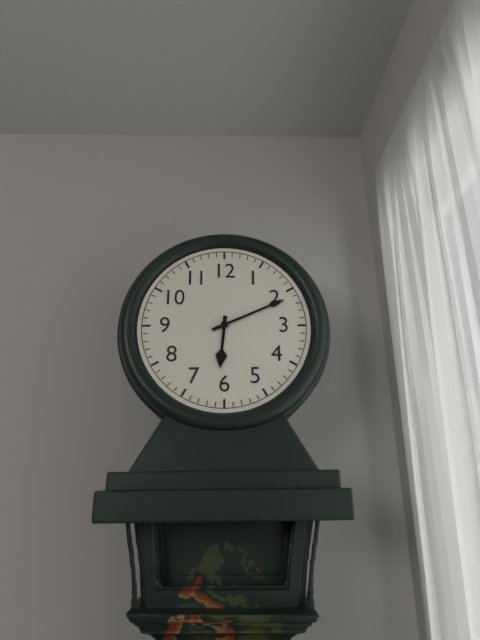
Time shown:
6,11
